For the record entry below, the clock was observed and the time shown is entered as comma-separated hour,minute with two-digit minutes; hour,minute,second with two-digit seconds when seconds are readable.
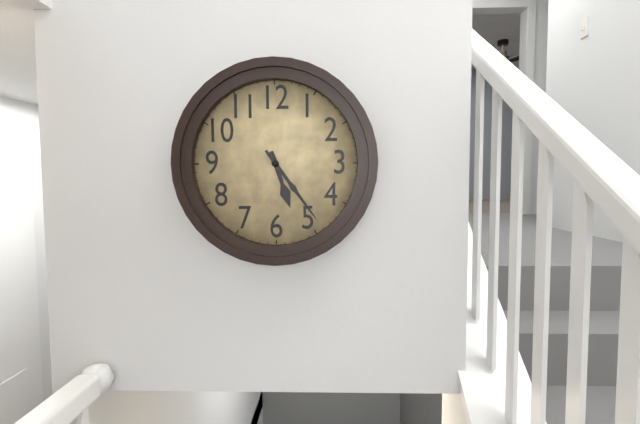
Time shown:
5,24
